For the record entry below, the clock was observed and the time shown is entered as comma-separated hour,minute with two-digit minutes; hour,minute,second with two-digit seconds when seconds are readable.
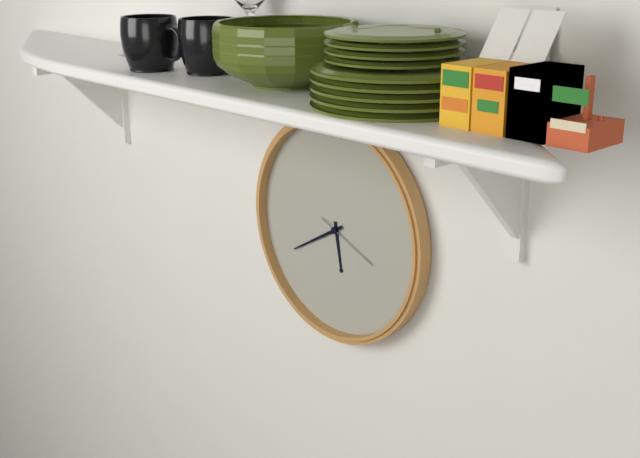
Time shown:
5,40,19
